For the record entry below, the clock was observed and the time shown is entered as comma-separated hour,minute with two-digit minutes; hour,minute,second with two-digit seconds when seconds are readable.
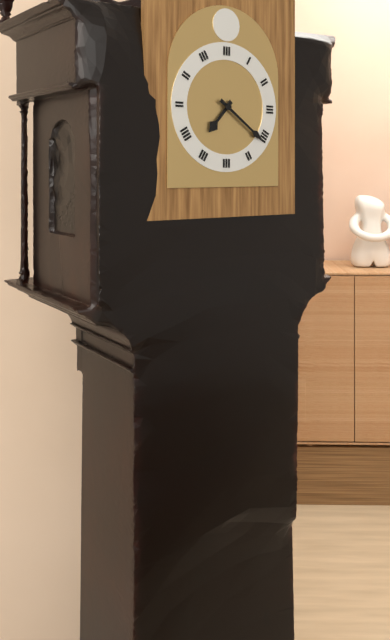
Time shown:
7,21
